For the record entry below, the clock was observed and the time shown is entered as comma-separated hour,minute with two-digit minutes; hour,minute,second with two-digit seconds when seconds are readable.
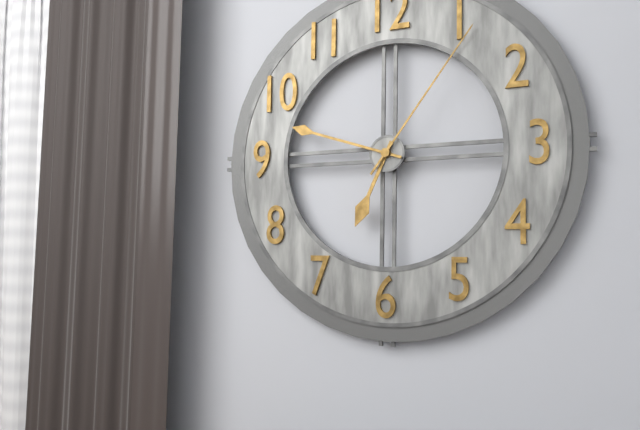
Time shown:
6,48,06
